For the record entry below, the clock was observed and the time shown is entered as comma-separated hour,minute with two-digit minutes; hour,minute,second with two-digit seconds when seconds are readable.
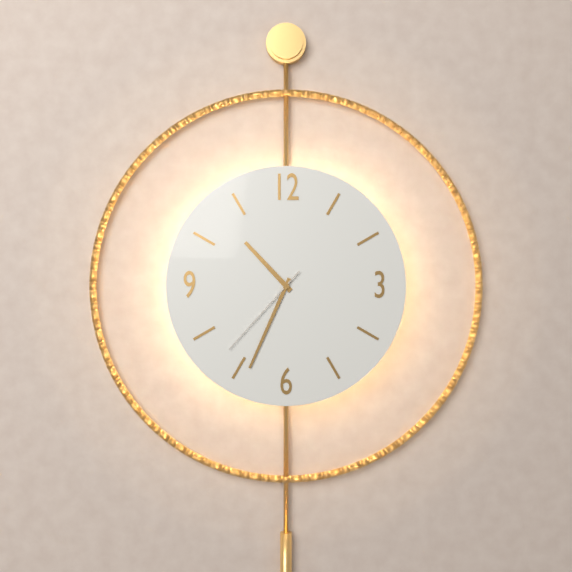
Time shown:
10,34,37
